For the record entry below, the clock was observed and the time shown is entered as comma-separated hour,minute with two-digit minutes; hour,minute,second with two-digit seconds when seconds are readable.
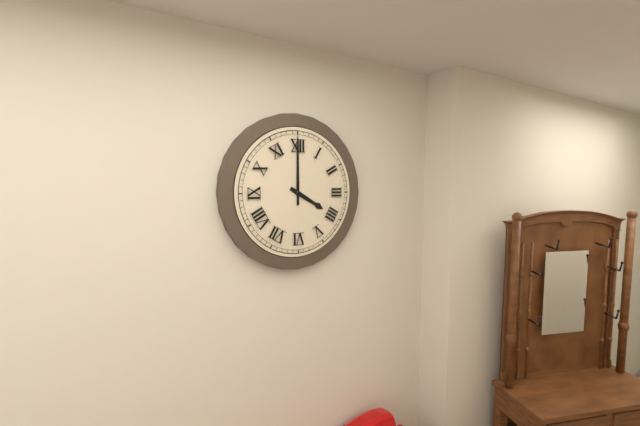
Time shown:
4,00
